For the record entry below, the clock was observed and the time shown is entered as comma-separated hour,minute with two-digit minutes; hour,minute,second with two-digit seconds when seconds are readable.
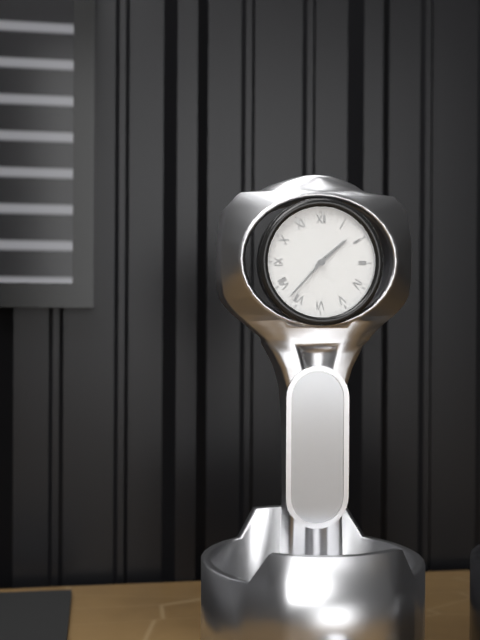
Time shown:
1,37
